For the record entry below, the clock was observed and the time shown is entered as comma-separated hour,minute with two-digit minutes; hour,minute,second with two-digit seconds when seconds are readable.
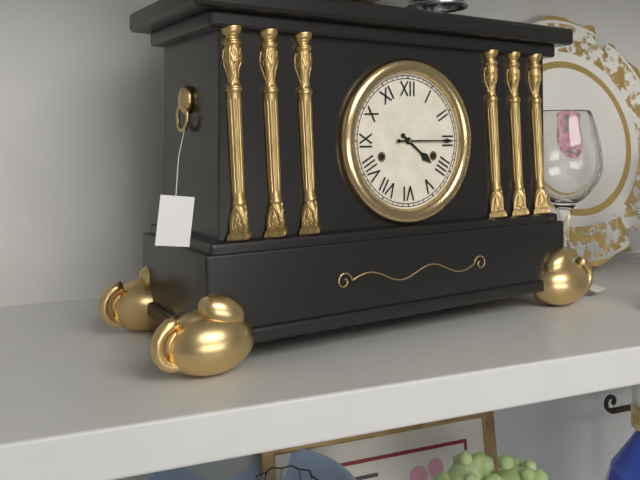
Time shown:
4,15
